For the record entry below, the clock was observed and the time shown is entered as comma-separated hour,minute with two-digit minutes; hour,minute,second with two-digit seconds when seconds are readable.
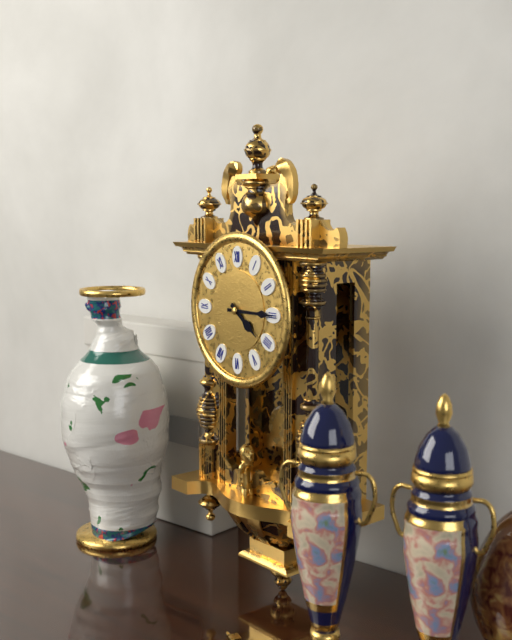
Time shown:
4,15
